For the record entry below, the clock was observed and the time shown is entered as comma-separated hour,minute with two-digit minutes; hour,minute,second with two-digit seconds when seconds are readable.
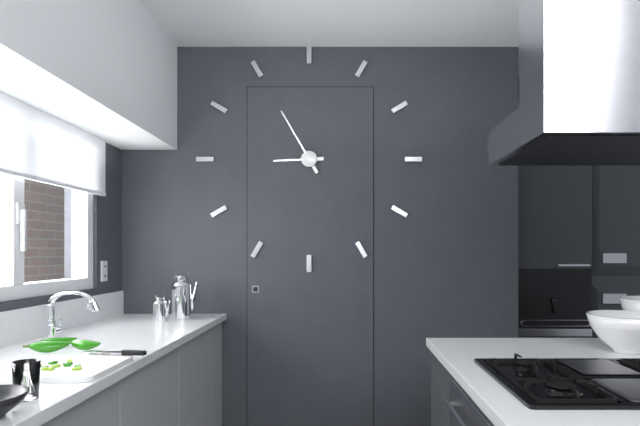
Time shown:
8,55
